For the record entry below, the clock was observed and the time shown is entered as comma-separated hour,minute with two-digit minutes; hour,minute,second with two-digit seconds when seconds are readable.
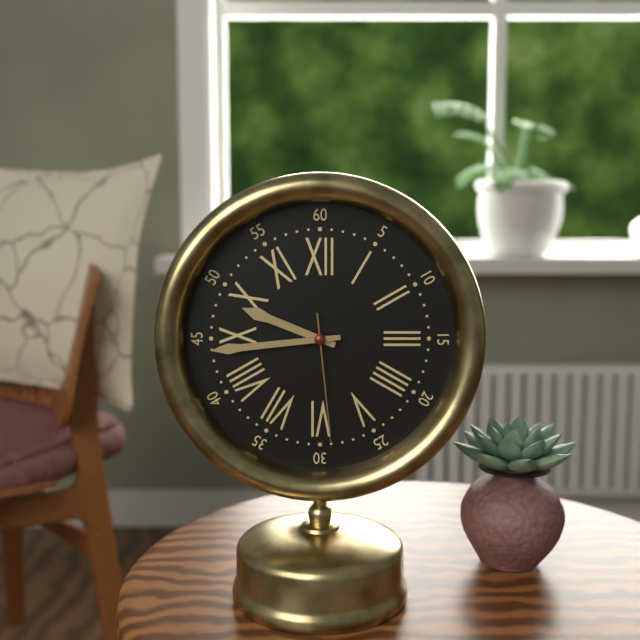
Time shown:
9,44,29
